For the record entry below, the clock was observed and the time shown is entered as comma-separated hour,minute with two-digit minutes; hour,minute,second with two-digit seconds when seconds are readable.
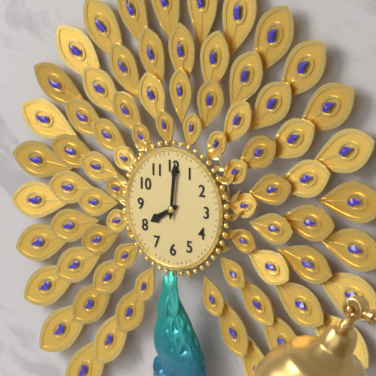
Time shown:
8,01
